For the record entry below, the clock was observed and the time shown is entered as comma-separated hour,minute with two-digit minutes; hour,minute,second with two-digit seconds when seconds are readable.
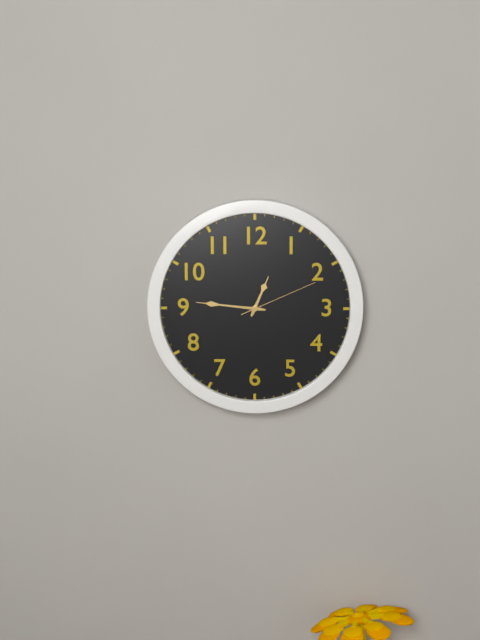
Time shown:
12,46,11
